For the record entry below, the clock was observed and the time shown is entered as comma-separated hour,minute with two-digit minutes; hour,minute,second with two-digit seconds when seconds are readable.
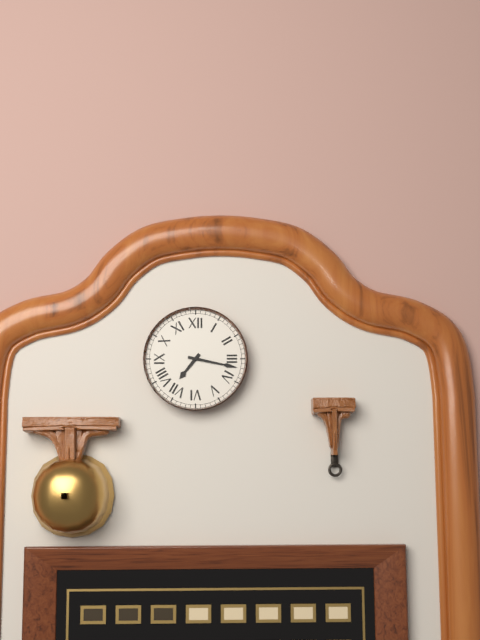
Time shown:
7,17
